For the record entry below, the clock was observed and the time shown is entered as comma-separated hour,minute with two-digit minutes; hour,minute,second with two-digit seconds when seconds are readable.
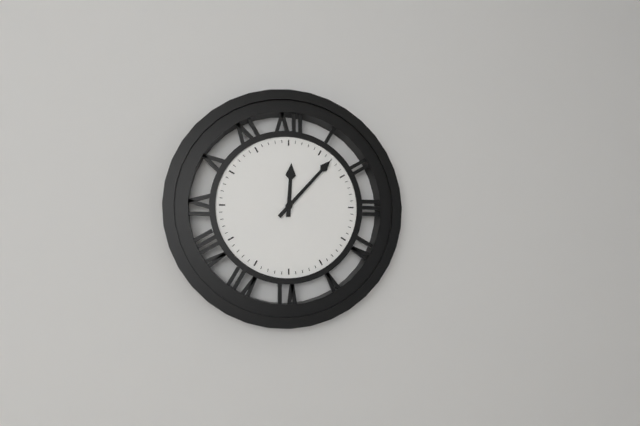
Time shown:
12,07
